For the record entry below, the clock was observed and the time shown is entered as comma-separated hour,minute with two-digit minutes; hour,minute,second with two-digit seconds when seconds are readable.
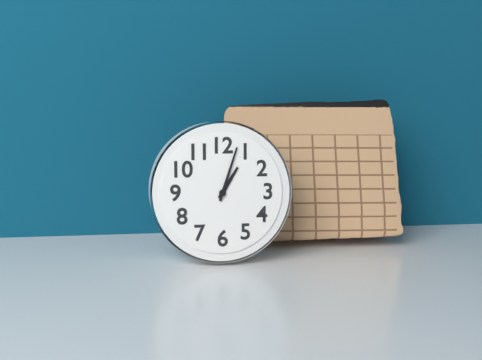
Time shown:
1,03
